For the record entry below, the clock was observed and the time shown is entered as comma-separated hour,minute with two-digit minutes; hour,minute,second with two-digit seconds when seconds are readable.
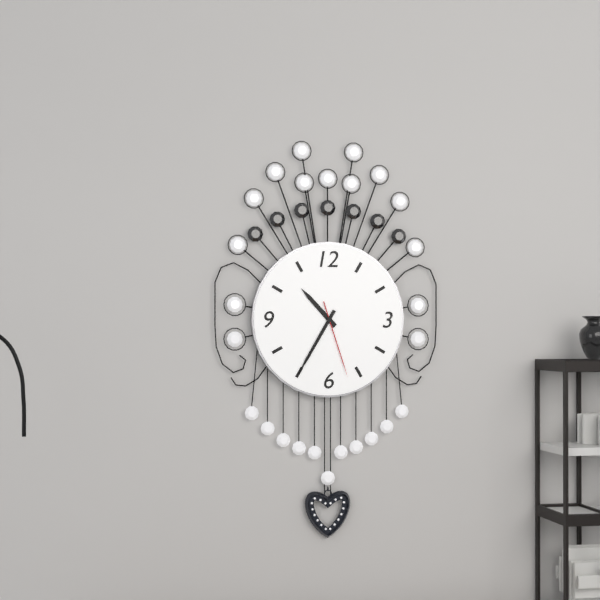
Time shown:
10,35,27
